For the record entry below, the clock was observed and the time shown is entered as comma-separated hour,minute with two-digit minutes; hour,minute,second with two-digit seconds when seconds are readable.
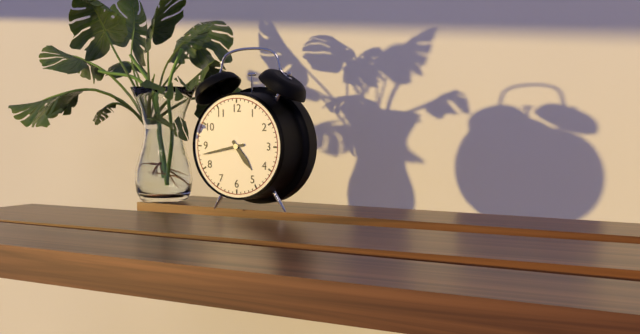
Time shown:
4,43
